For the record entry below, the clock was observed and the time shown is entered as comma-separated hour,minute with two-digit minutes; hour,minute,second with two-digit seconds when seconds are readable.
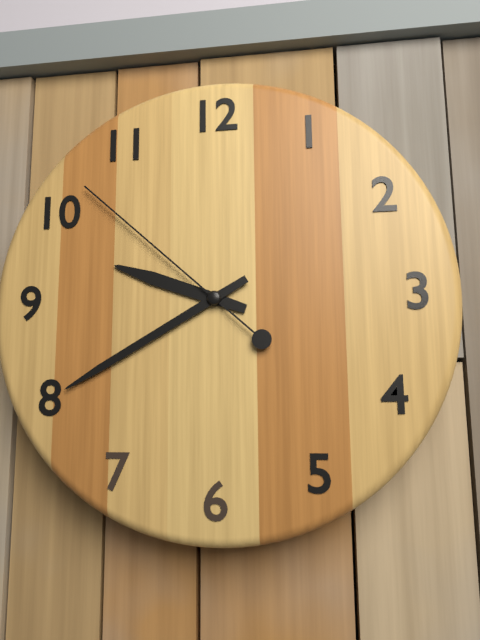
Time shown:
9,40,52
